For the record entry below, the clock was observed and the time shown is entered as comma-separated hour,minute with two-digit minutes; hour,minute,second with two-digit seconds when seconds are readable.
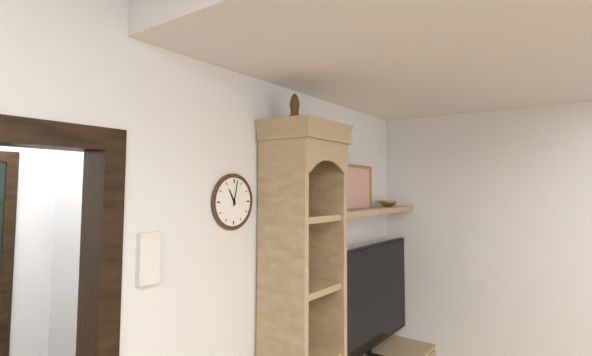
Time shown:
11,02
